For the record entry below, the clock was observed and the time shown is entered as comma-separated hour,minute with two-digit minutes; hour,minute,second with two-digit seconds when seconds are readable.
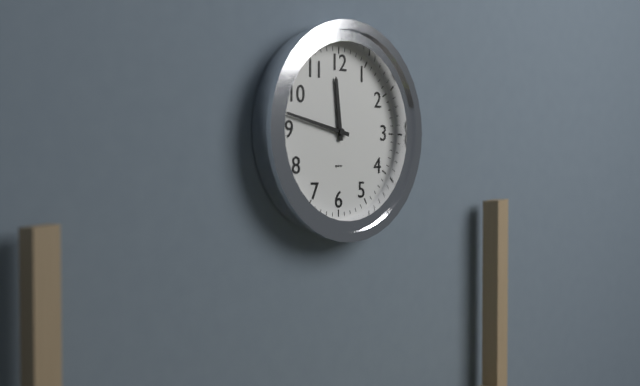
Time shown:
11,47
